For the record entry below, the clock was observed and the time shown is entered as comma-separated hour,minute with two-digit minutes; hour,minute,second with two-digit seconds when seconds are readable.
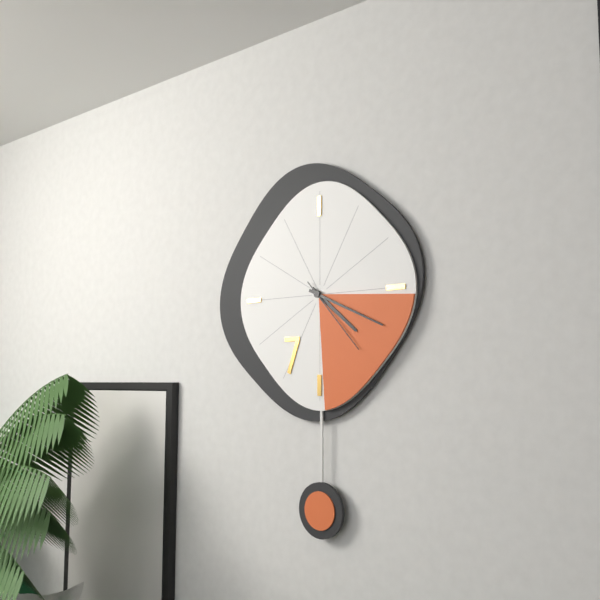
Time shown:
4,19,23
